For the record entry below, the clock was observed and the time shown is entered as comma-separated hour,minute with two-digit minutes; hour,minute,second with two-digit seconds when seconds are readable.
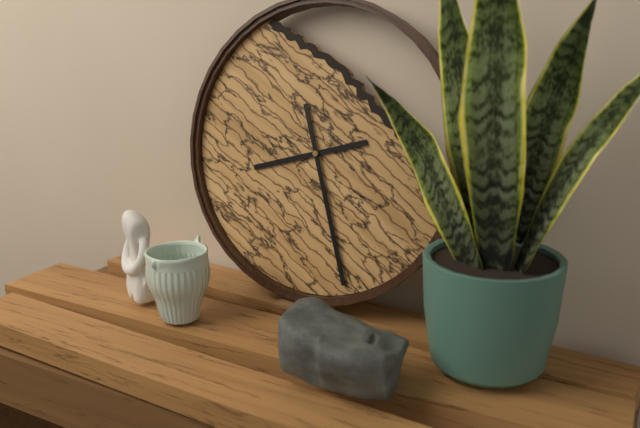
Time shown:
8,27
